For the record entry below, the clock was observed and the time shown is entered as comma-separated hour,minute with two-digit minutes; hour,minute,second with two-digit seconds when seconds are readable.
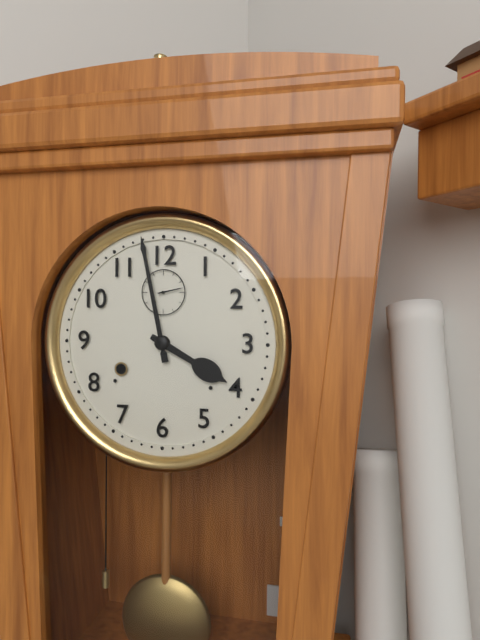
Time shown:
3,58
